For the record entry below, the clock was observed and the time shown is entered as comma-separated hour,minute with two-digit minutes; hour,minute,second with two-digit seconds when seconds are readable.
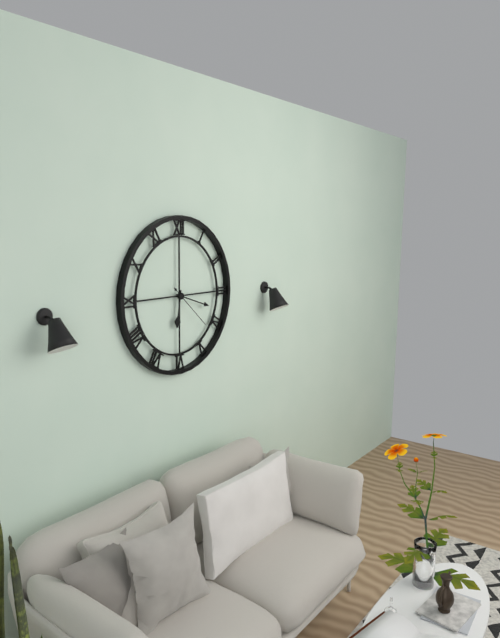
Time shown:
6,18
